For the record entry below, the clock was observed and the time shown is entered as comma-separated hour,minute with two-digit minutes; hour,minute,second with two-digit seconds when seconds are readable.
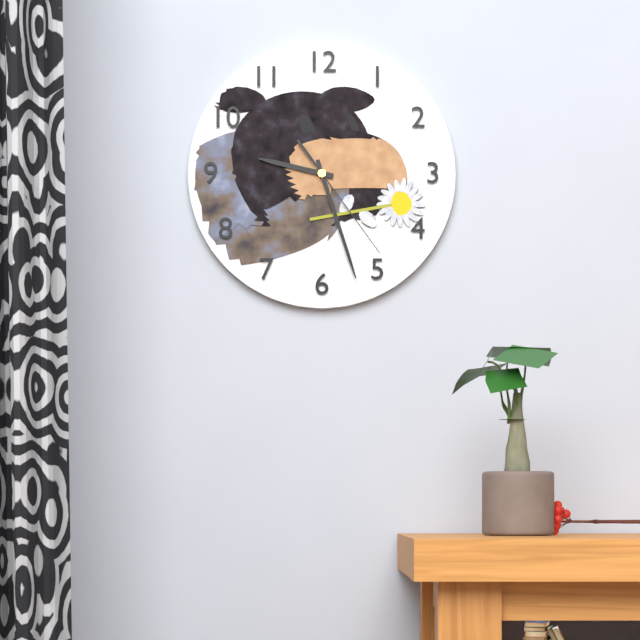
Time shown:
9,27,24
